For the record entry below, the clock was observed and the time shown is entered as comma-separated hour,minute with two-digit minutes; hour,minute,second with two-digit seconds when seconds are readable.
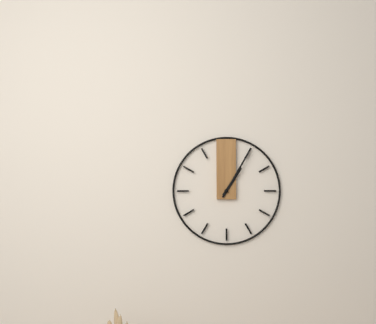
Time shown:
1,05
